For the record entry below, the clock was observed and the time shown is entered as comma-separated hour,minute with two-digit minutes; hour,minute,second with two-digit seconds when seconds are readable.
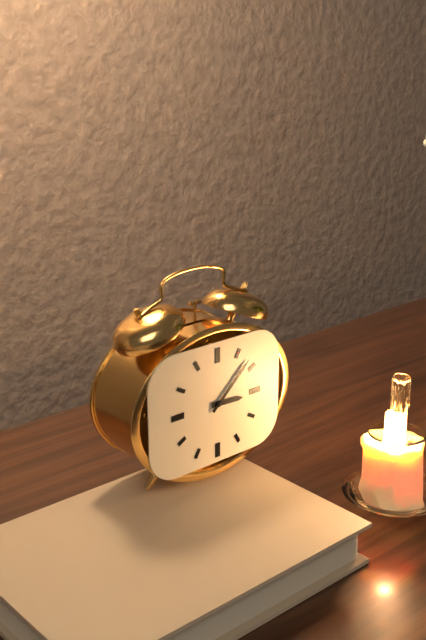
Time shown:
3,08
